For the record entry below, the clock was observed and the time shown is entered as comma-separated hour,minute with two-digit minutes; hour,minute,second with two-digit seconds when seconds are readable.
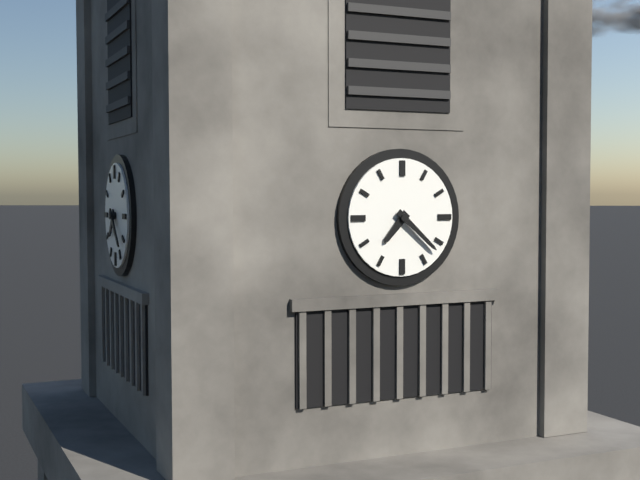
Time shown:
7,22
